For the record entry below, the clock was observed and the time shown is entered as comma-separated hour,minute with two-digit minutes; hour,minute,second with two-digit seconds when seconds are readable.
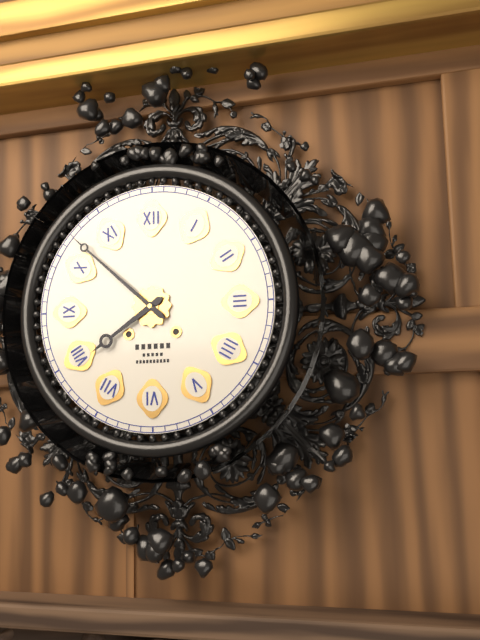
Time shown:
7,52
